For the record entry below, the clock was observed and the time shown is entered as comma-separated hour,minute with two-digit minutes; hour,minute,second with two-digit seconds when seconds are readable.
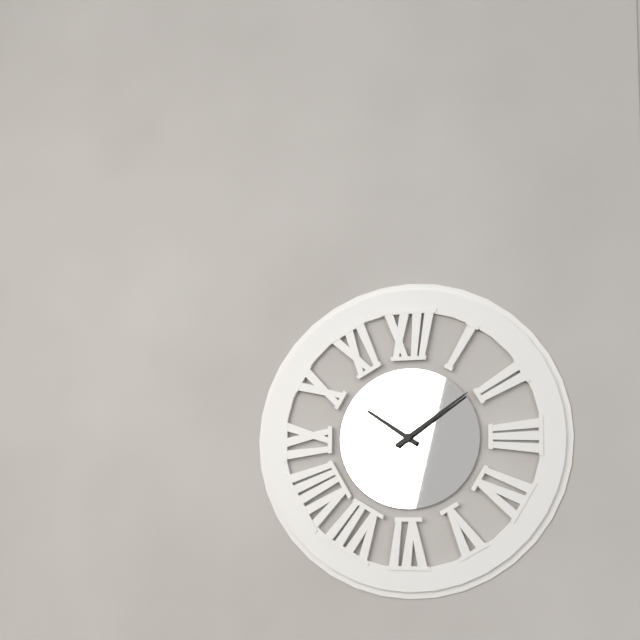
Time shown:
10,09
